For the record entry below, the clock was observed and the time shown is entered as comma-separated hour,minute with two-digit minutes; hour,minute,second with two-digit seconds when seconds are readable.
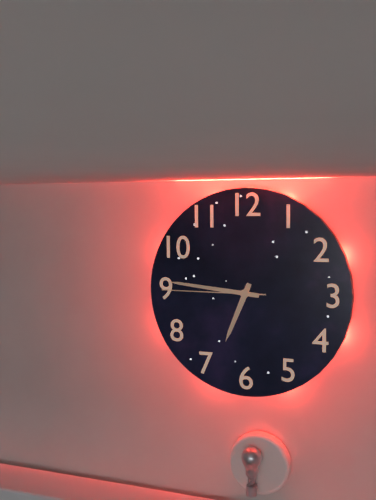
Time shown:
6,46,45
